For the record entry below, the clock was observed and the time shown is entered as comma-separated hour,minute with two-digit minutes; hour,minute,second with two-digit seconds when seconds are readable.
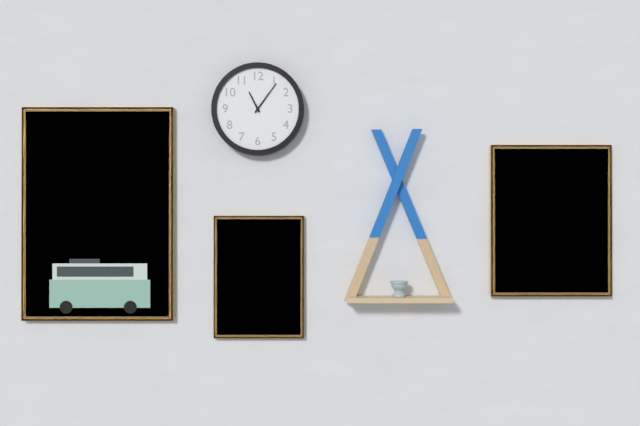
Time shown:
11,06
